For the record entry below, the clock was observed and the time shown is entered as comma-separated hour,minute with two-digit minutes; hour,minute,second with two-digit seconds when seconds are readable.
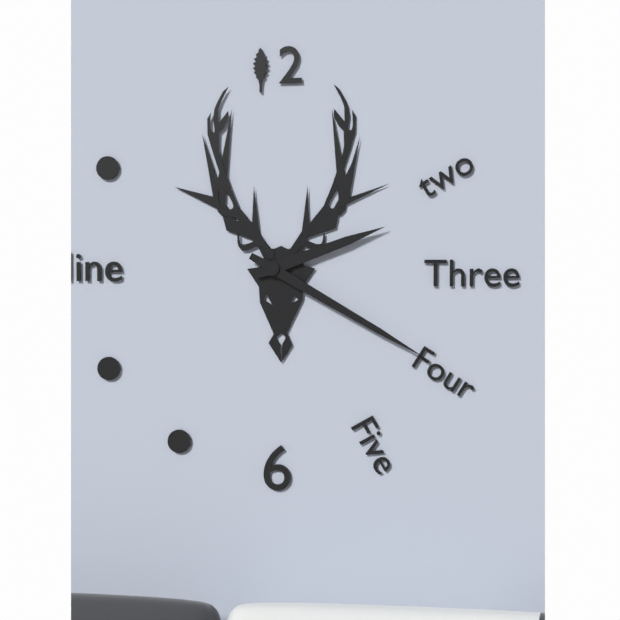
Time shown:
2,20
